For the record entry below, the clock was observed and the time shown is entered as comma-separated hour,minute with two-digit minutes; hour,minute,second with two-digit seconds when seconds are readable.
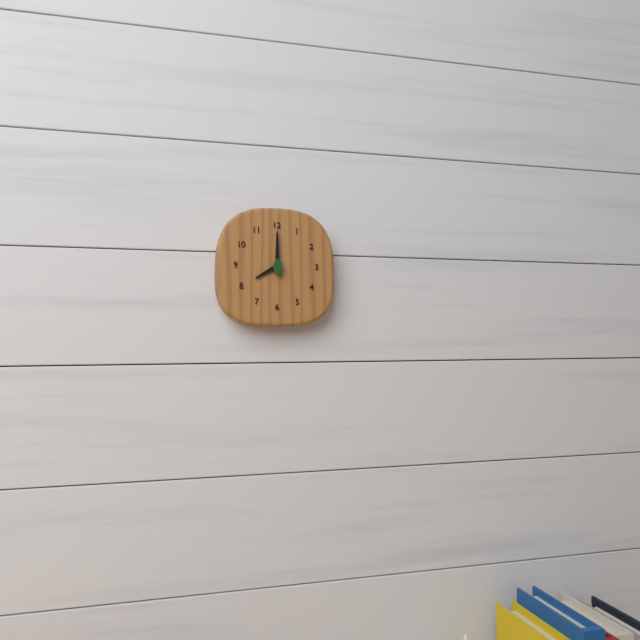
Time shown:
8,00
